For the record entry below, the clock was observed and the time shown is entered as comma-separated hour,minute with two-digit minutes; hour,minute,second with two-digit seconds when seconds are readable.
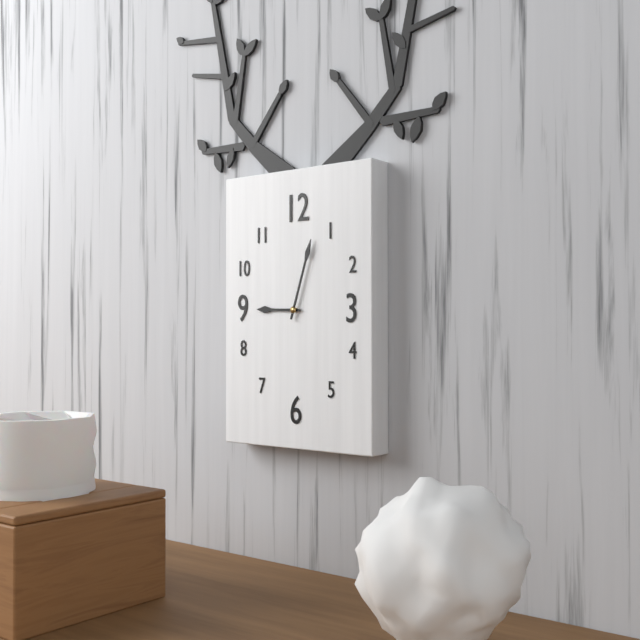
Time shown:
9,03
